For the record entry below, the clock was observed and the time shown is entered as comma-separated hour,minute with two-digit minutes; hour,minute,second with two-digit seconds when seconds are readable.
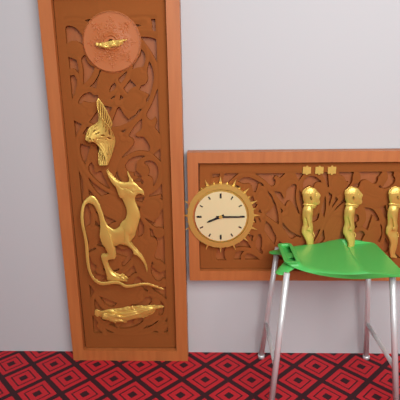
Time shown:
8,15
